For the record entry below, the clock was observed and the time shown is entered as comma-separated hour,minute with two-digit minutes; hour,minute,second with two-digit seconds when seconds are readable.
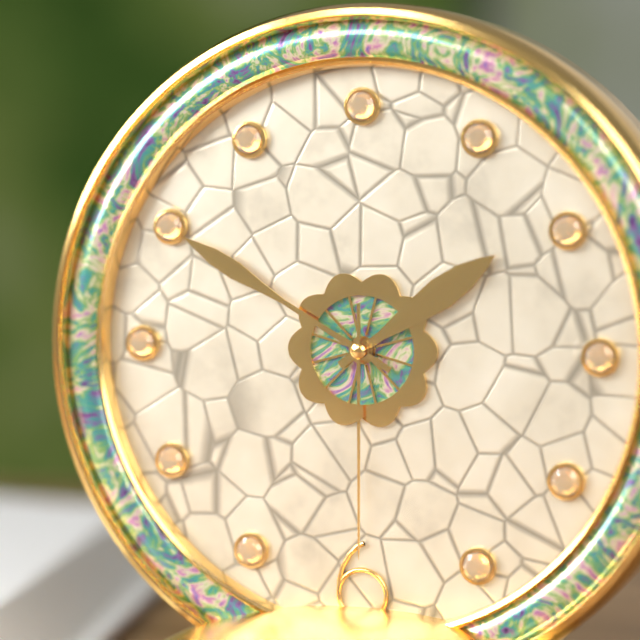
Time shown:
1,50,30
